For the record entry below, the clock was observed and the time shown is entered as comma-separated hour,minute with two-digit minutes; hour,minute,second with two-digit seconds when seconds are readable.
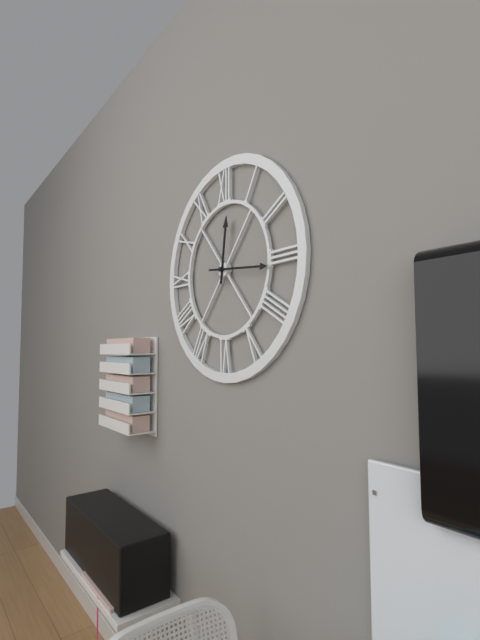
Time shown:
12,16
